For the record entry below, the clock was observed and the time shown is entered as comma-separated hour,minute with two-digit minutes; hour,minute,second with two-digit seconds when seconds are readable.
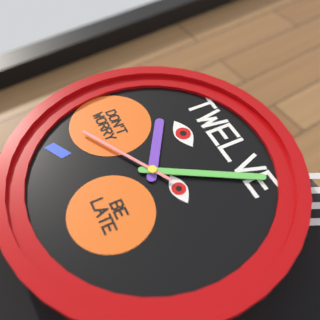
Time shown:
10,05,40
